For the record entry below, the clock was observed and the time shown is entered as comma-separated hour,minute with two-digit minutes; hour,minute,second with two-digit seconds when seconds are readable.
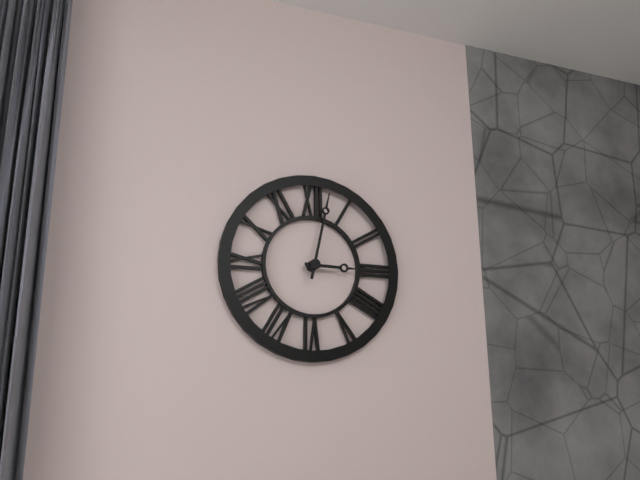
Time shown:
3,02
